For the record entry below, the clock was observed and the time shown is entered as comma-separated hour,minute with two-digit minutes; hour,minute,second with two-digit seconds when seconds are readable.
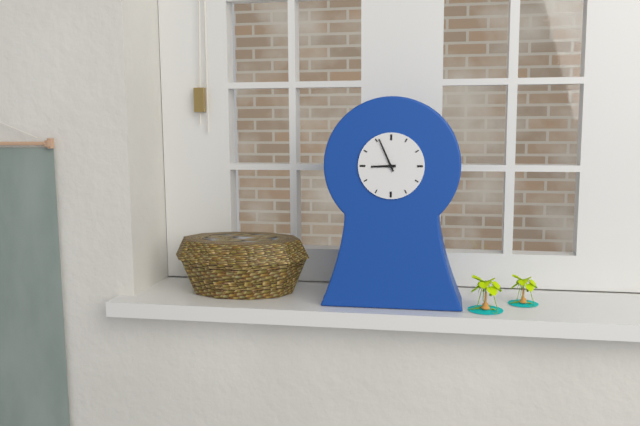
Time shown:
8,56
